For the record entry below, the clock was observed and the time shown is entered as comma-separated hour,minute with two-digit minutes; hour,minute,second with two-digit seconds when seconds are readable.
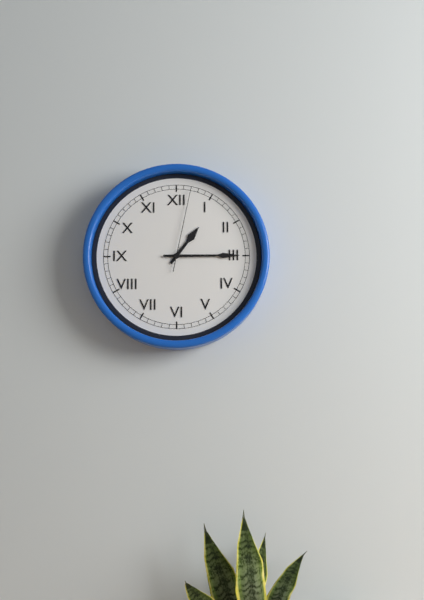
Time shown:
1,15,02
